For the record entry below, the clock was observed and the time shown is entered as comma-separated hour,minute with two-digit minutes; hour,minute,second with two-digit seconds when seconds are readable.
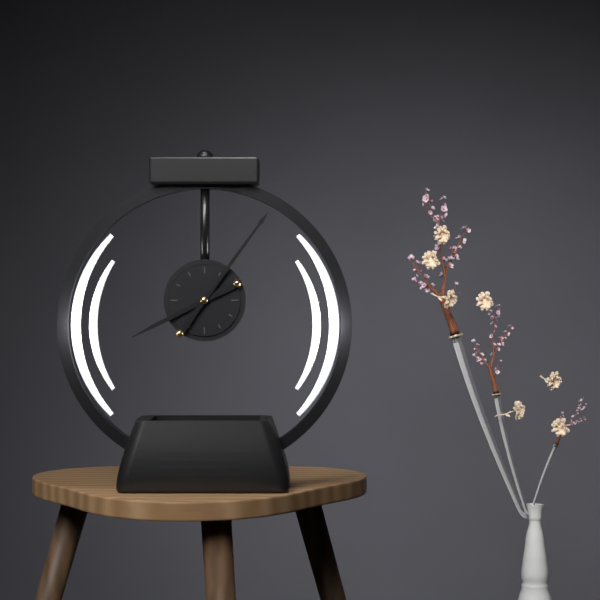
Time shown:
8,06
